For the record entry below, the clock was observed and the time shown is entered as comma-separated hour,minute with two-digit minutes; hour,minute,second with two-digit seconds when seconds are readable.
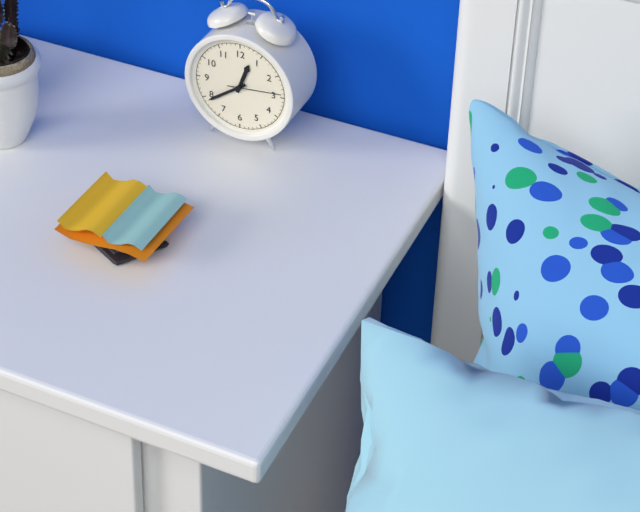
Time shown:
12,39,14
